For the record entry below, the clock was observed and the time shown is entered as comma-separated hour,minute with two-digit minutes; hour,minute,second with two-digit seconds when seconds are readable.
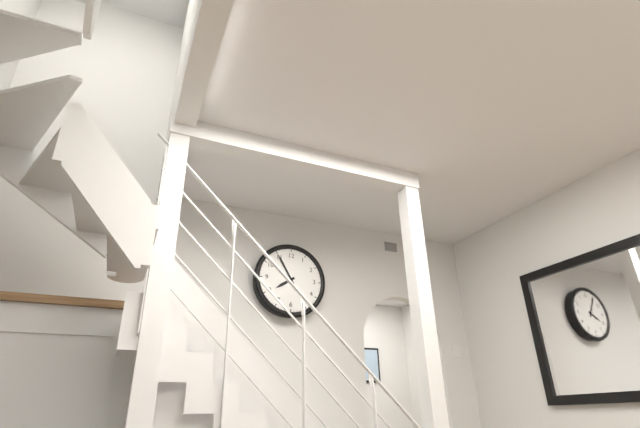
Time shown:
7,55
